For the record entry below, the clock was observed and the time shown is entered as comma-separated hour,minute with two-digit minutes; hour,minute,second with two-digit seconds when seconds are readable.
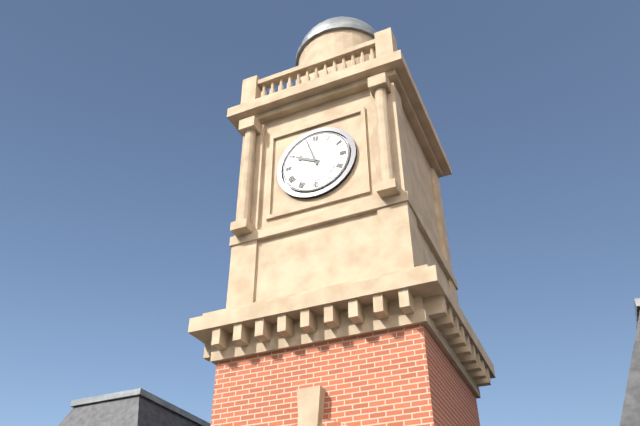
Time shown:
9,57
